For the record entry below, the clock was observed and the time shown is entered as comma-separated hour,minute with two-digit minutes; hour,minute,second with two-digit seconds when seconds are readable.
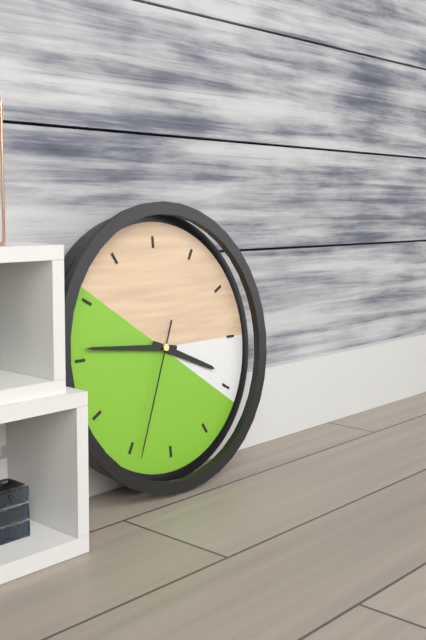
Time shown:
3,46,34
